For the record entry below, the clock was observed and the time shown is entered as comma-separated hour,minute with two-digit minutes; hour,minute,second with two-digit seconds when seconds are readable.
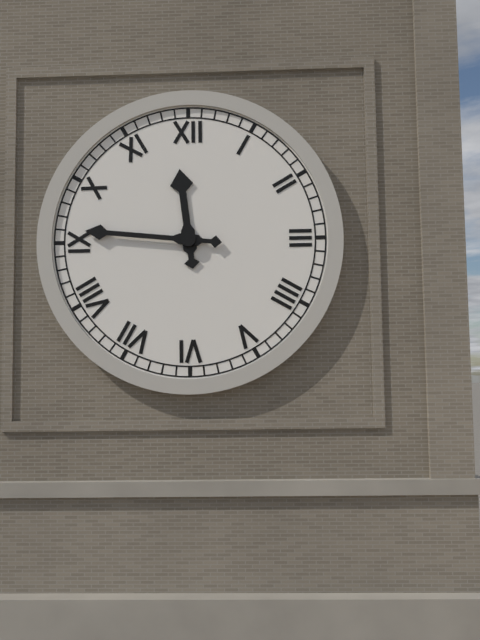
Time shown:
11,46
